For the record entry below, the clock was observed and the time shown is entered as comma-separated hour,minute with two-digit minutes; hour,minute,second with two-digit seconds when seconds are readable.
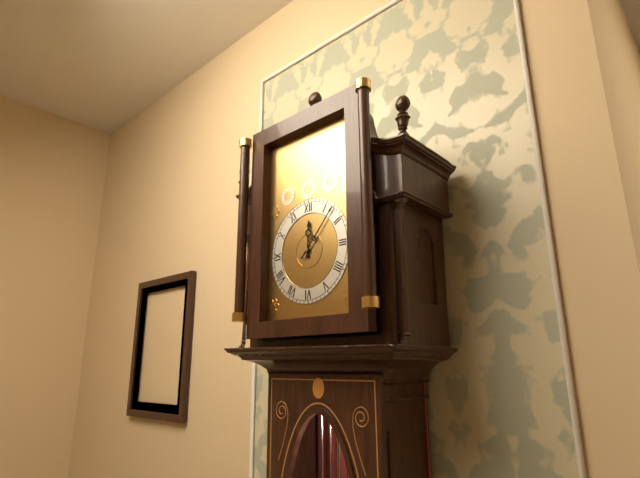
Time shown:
12,07
